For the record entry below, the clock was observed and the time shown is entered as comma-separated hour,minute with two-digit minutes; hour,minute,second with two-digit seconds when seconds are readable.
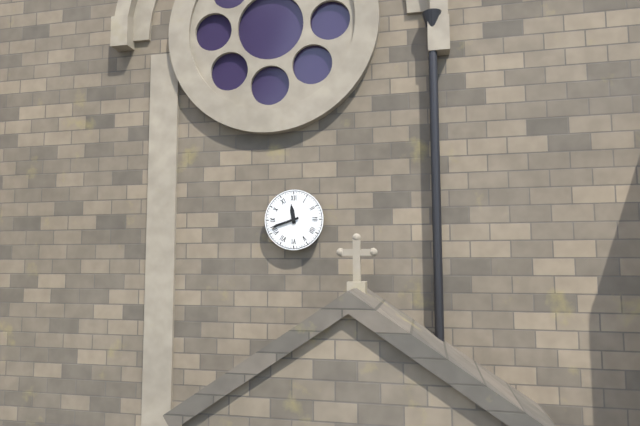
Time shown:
11,42
